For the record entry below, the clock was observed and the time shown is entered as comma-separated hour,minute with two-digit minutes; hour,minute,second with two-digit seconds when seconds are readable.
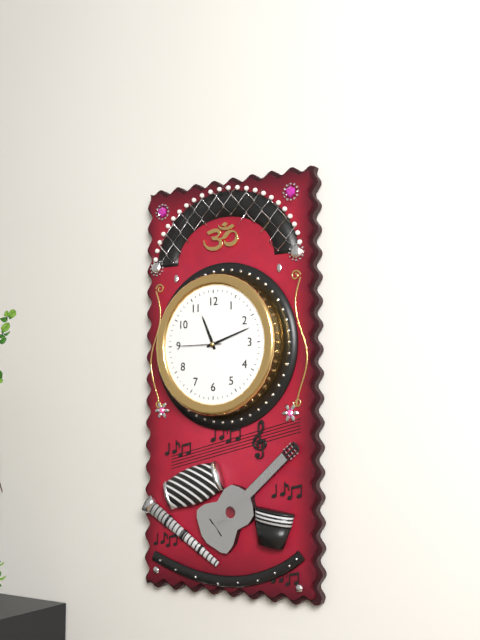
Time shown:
11,12
